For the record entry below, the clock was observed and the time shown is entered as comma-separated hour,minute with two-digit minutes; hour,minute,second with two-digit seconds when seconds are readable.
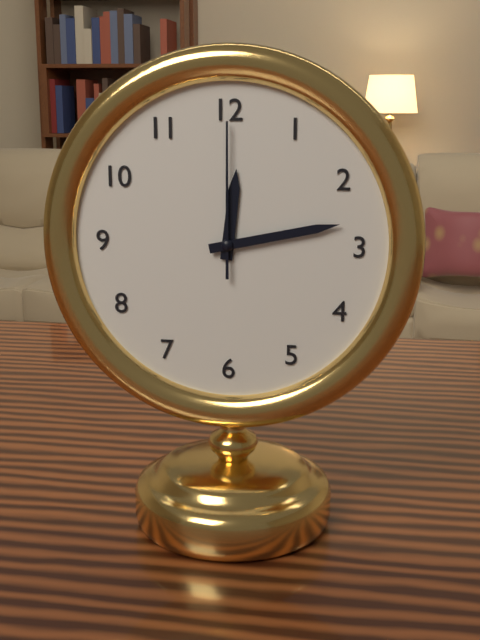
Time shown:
12,13,00
